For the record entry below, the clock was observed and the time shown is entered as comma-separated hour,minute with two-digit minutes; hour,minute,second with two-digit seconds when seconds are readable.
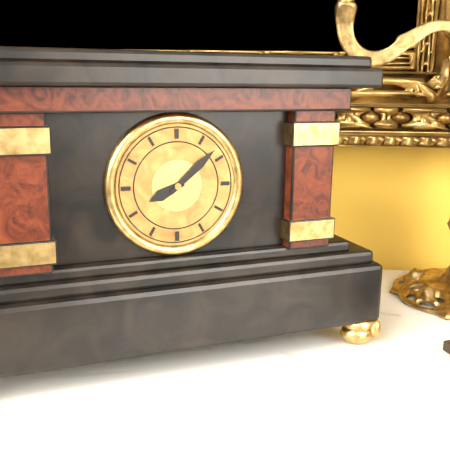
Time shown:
8,08
